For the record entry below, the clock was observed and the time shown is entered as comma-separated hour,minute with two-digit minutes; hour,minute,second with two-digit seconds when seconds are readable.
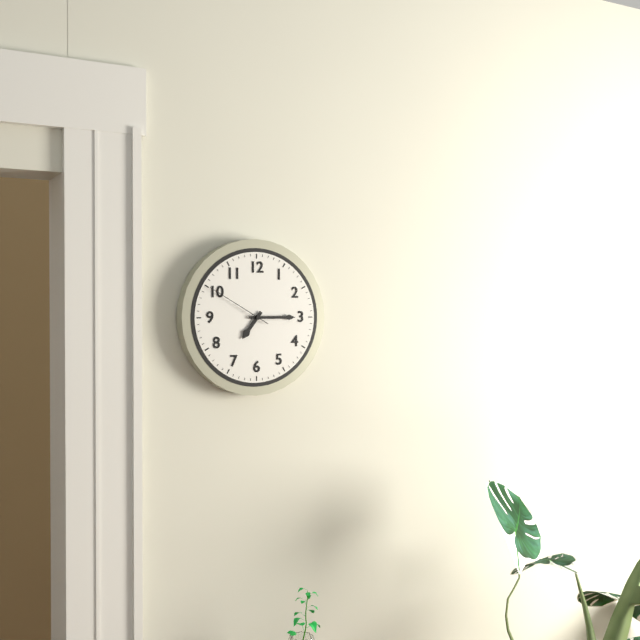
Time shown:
7,15,50
